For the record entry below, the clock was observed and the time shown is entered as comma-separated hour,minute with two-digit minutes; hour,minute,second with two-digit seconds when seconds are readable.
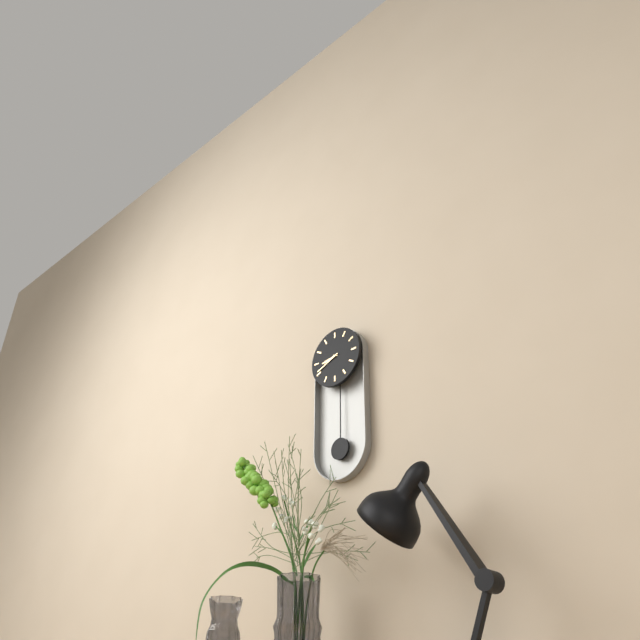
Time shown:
8,41
